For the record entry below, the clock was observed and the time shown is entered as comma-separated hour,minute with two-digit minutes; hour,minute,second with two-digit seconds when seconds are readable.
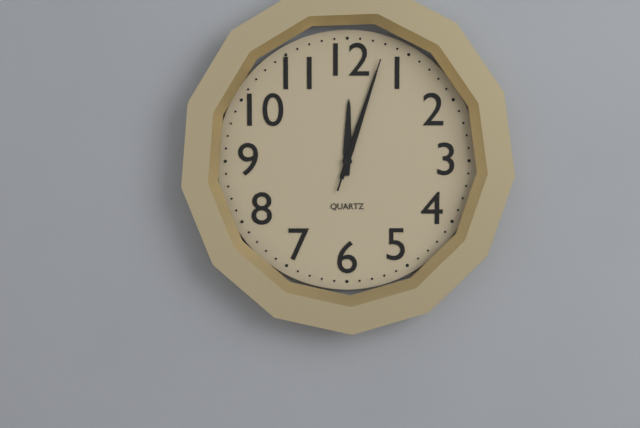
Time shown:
12,03,03
